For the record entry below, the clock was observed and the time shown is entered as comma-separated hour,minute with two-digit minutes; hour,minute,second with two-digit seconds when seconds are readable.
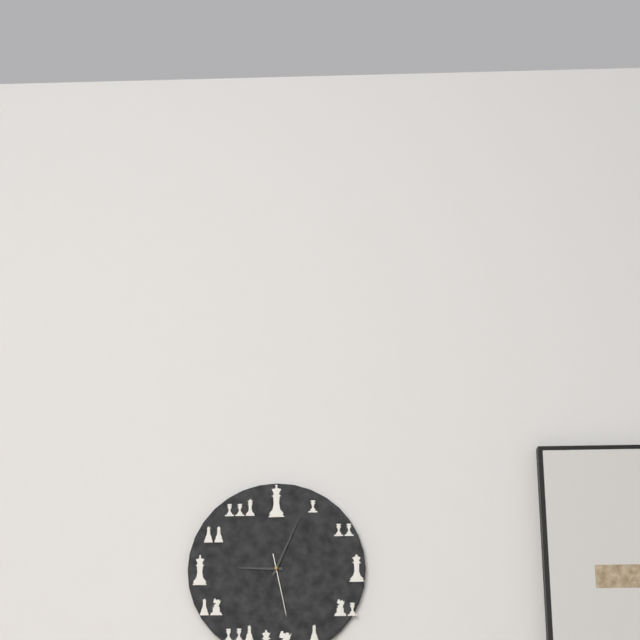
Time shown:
9,04,28
